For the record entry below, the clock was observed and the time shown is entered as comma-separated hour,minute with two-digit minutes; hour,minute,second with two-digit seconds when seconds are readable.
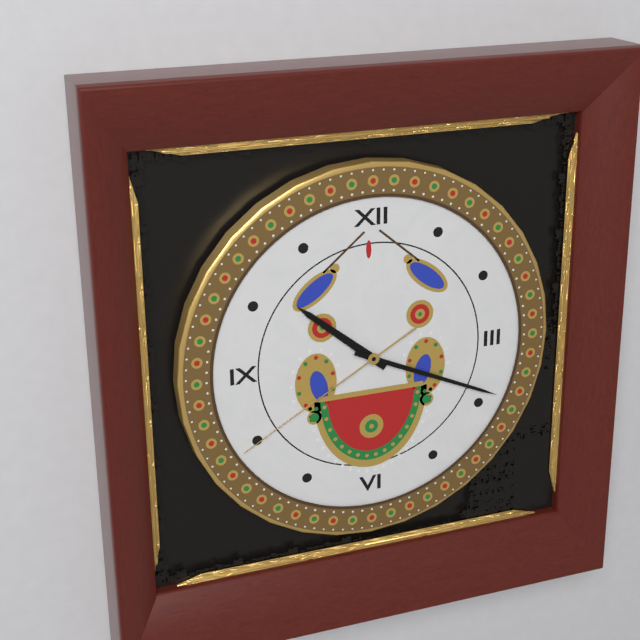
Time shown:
10,19,40
